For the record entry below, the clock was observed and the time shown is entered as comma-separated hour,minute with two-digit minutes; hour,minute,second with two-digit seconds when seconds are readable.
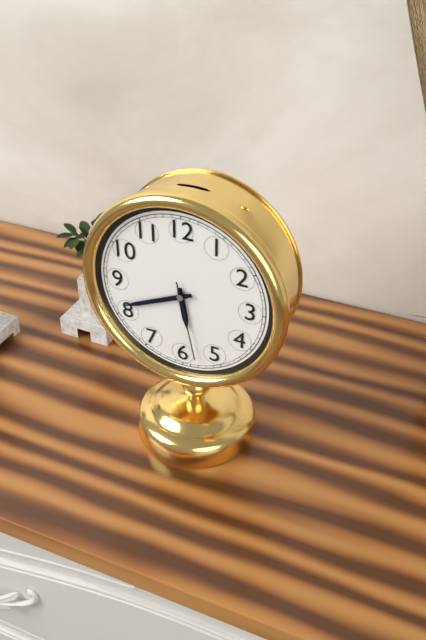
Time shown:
5,41,28
